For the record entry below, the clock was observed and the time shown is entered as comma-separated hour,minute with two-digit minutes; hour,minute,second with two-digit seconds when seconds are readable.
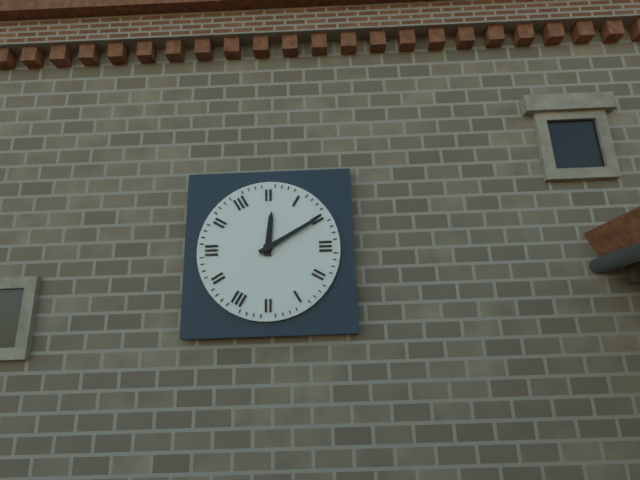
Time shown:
12,10
